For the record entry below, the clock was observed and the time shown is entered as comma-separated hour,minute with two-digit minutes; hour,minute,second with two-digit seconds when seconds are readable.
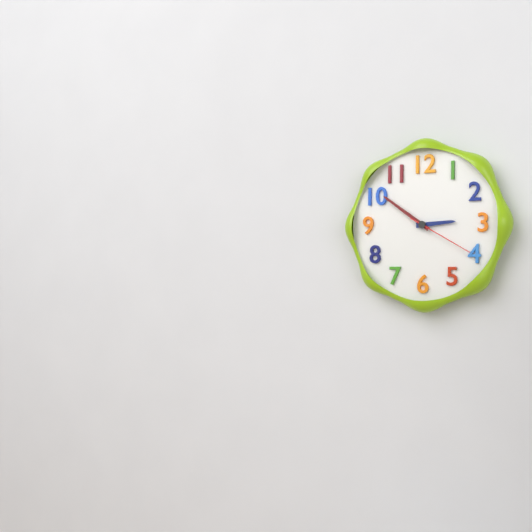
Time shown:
2,51,20
